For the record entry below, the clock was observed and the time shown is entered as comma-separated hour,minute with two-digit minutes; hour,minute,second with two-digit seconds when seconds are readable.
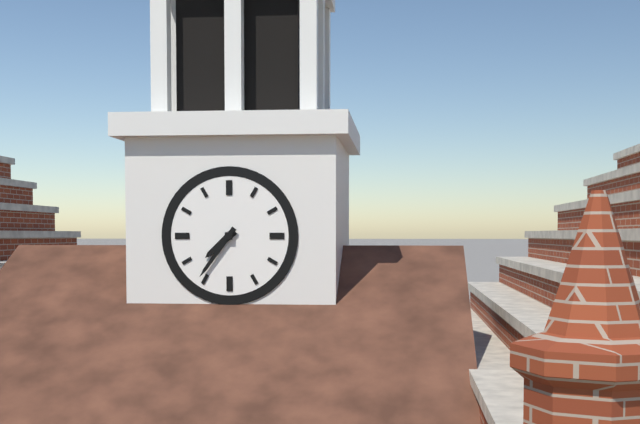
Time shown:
7,36
